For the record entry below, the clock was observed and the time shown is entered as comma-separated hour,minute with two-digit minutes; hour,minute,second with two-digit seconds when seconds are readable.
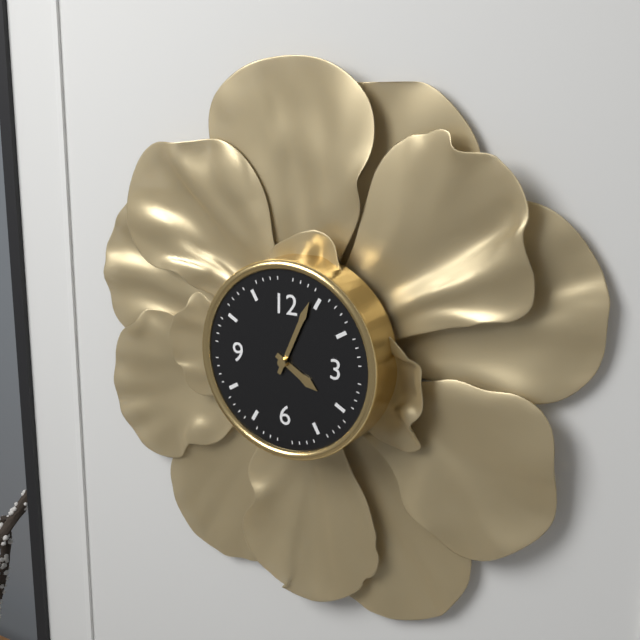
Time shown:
4,04
